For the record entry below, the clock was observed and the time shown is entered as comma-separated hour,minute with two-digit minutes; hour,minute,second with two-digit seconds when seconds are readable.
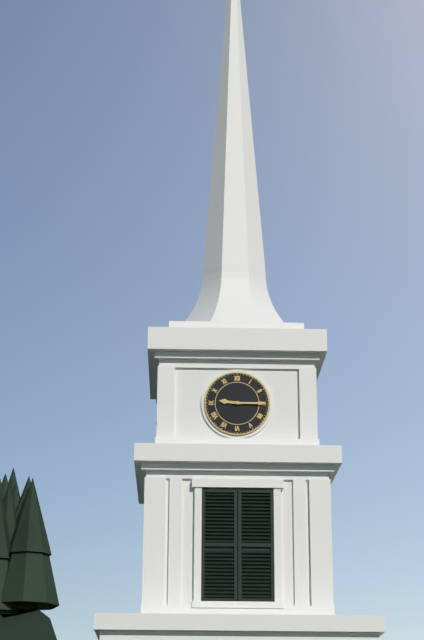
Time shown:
9,15
